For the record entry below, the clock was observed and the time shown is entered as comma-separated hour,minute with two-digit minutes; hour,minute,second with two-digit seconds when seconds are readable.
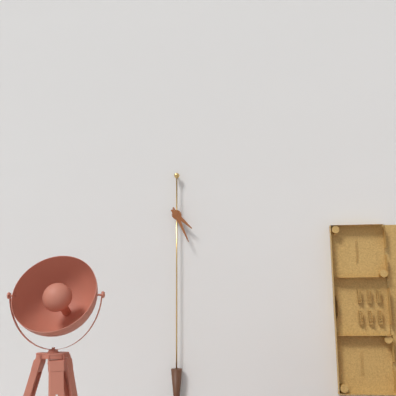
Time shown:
4,26
